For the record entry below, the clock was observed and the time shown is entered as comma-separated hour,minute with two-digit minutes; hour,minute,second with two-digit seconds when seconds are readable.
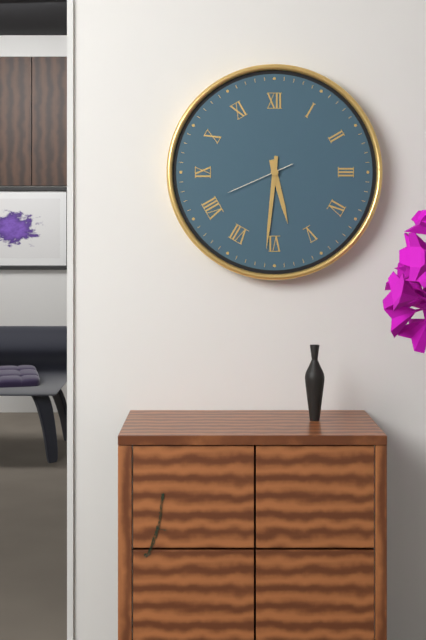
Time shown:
5,31,41
